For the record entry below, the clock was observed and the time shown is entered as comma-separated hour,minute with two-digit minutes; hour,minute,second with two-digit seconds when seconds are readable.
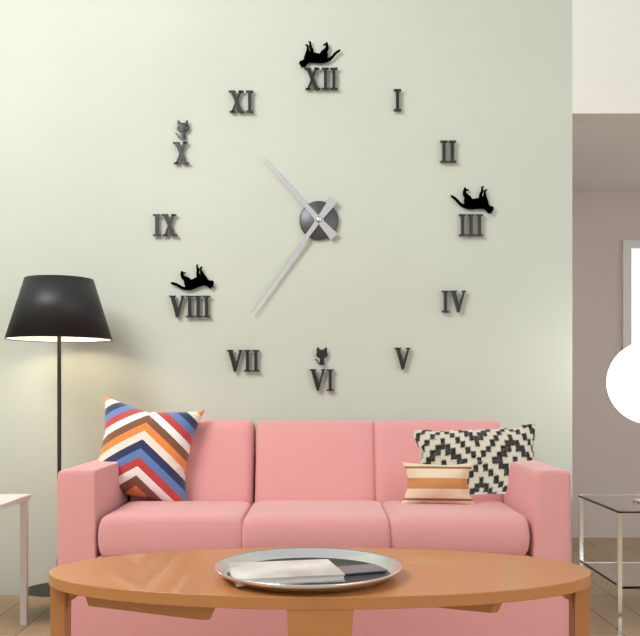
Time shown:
10,36
